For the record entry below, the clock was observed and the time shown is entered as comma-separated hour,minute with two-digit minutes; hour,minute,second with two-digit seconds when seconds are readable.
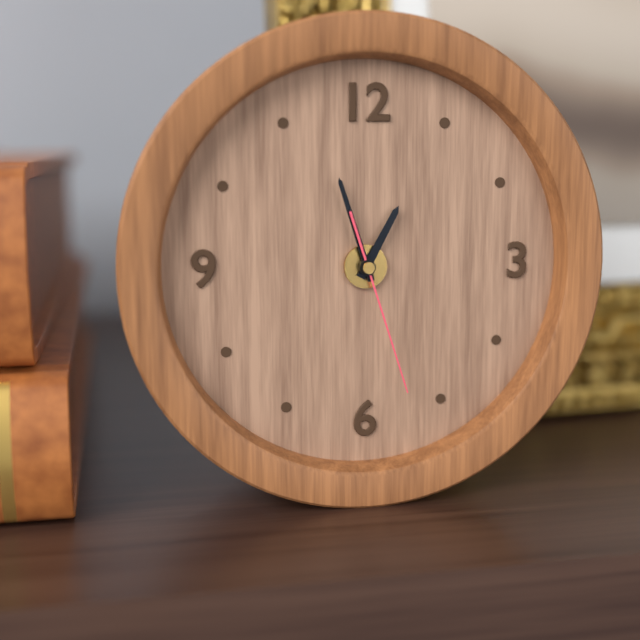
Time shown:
12,57,27
